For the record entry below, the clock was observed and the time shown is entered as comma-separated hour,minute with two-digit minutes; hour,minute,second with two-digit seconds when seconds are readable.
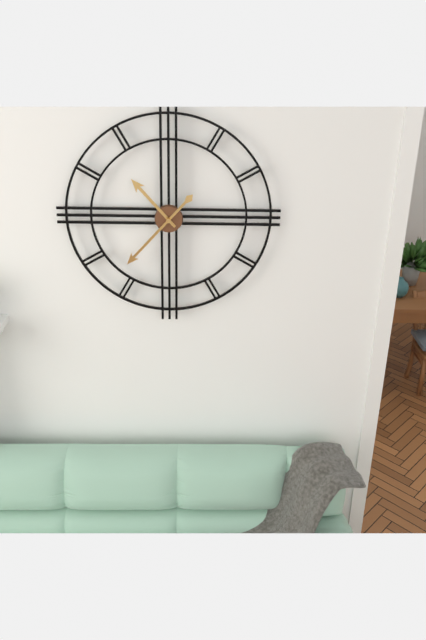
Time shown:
10,37
